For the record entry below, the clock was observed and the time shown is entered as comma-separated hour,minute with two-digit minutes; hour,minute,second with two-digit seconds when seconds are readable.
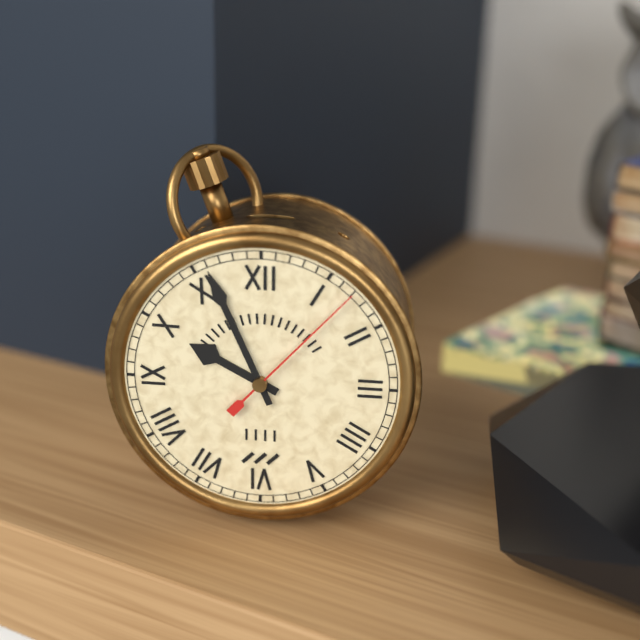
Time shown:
9,56,07
